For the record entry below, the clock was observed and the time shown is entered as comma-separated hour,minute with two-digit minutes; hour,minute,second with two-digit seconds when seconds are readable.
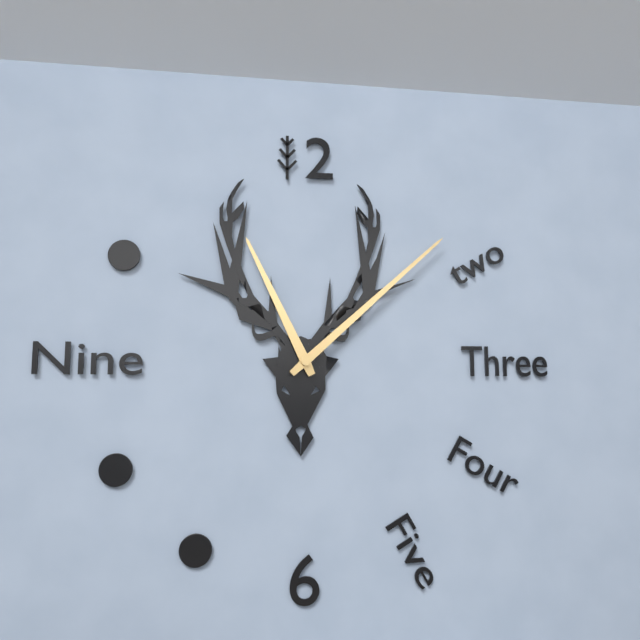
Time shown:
11,08
